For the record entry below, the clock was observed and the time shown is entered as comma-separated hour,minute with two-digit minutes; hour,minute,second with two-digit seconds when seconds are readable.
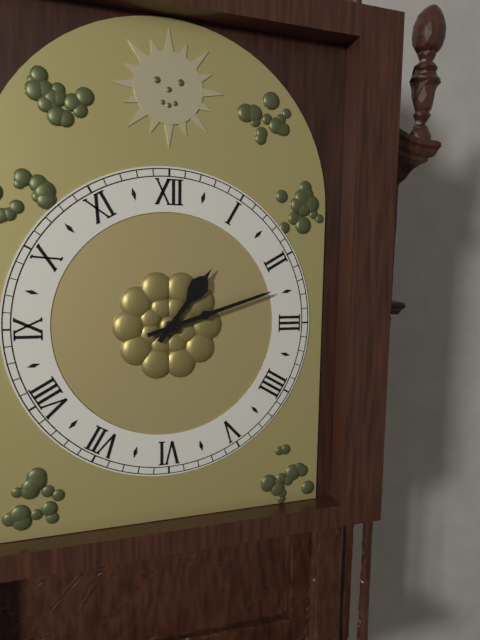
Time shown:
1,12
